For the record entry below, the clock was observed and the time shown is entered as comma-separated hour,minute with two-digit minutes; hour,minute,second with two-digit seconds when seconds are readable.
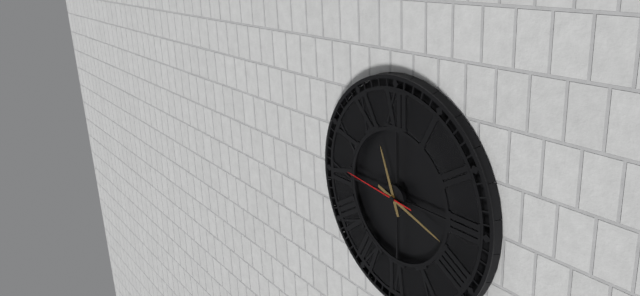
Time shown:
11,18,46
